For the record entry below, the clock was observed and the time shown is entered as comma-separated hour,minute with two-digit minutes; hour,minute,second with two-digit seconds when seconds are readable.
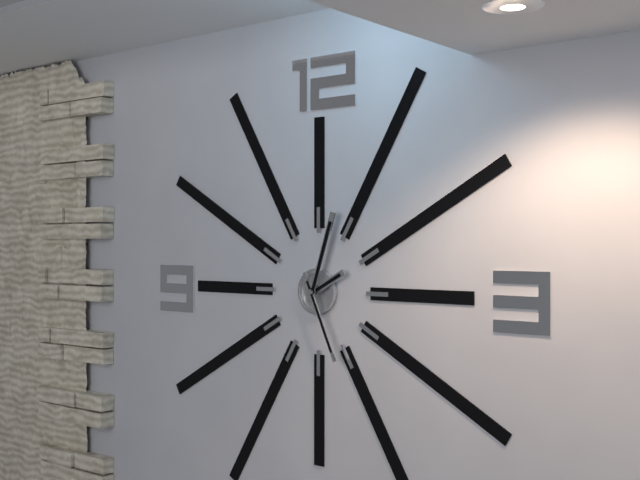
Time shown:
2,03,26
